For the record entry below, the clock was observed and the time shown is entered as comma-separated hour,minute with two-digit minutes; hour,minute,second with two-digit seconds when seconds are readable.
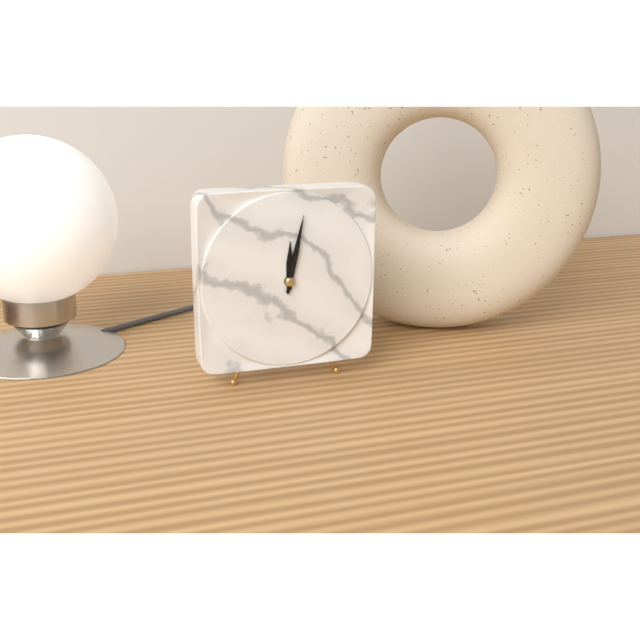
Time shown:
12,02
